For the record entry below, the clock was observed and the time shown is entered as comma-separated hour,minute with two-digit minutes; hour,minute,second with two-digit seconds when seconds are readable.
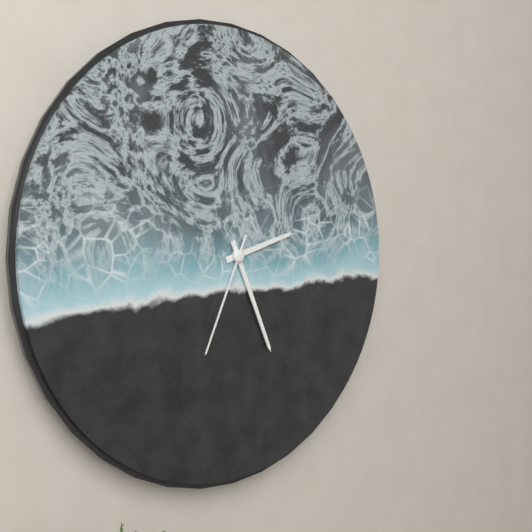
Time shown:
2,26,34
